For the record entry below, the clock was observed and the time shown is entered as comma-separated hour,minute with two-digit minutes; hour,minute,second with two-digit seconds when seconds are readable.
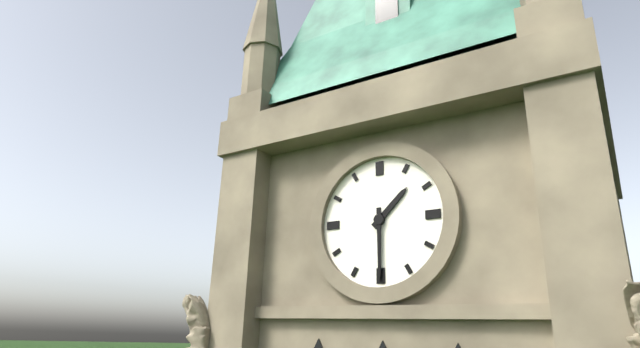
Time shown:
1,30
